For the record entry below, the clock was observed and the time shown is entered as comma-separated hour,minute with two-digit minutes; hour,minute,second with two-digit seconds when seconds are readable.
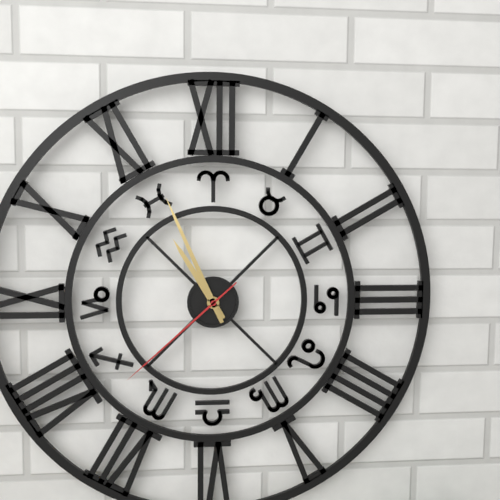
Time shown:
10,56,38
